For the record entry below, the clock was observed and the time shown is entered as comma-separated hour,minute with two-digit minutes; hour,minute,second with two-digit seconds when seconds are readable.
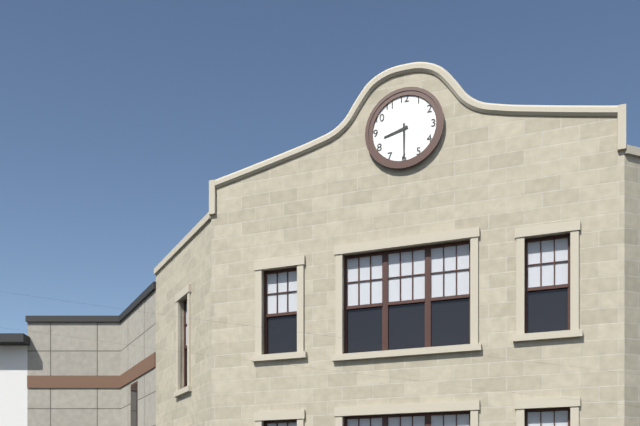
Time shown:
8,30
